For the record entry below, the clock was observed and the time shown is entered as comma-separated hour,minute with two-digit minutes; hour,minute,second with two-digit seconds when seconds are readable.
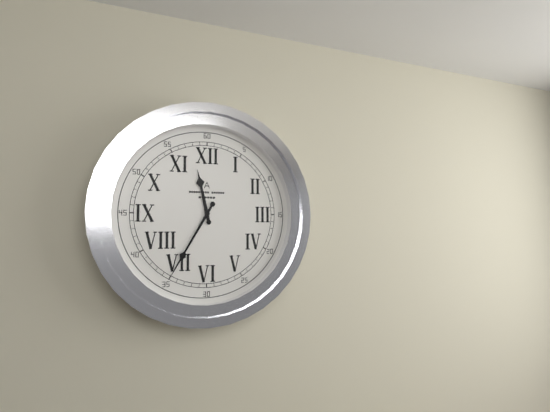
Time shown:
11,35
